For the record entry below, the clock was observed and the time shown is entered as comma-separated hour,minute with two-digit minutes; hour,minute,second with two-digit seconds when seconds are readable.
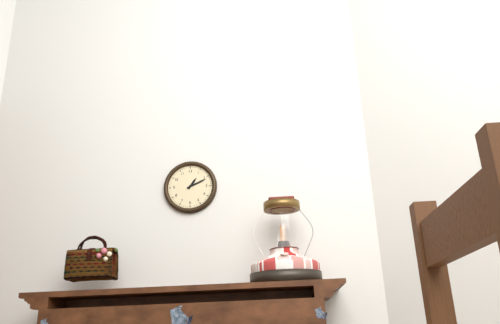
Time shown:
1,11
